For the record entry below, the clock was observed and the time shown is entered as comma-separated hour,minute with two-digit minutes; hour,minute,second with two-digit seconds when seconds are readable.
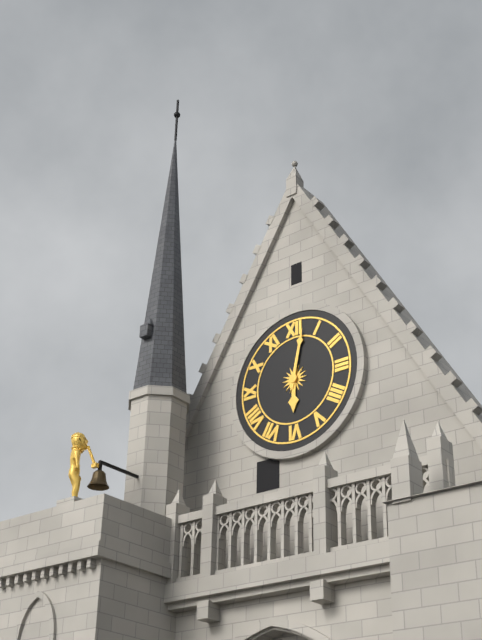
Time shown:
6,02
